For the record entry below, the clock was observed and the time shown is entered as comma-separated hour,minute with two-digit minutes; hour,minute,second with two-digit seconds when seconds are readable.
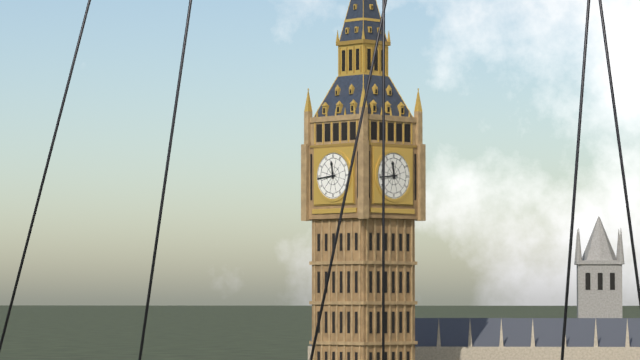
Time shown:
11,44
